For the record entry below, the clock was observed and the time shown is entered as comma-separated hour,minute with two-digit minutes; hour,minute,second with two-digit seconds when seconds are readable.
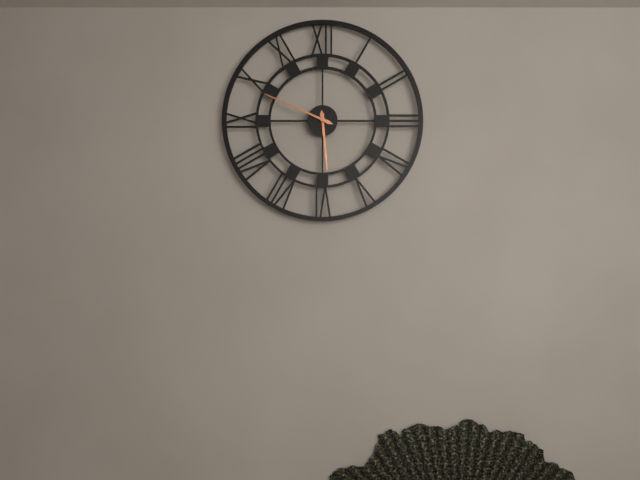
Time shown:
5,49
